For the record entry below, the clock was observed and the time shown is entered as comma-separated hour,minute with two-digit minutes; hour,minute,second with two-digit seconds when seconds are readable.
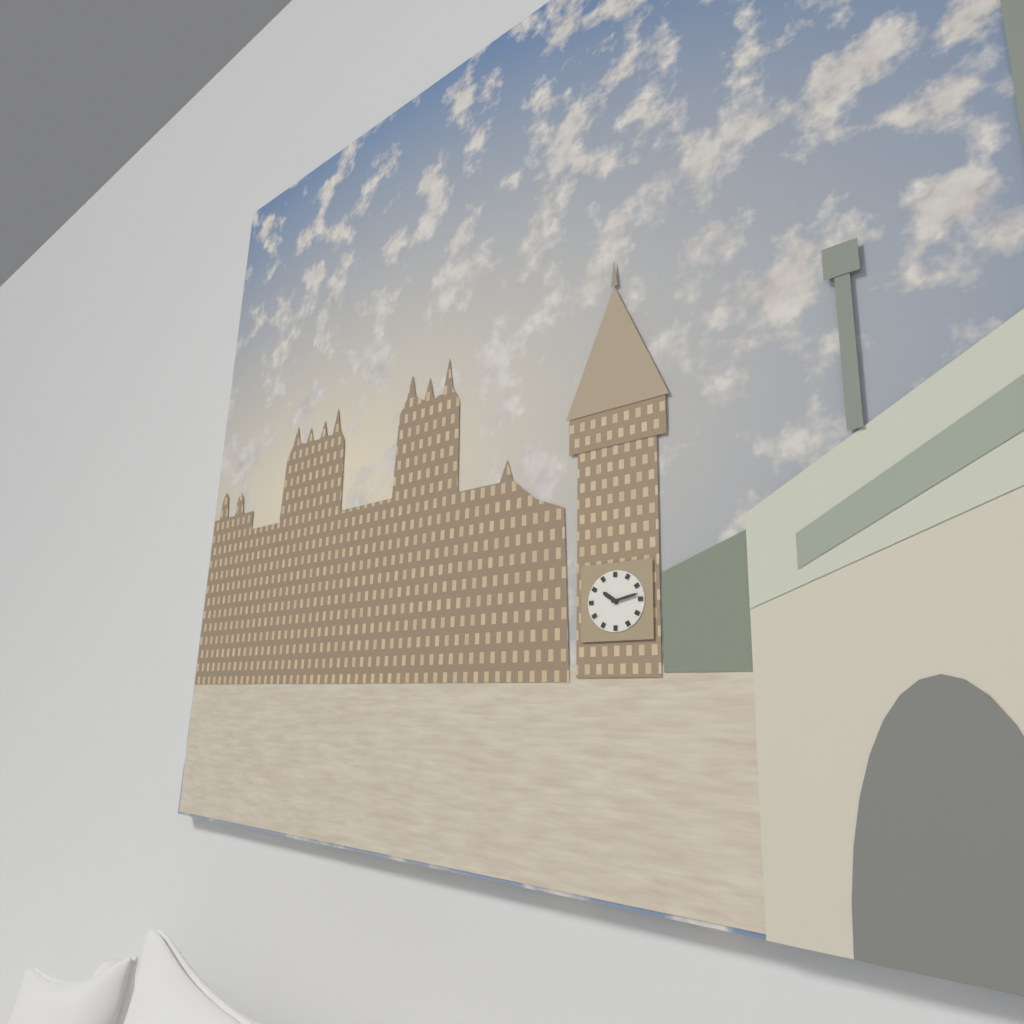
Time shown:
10,13
